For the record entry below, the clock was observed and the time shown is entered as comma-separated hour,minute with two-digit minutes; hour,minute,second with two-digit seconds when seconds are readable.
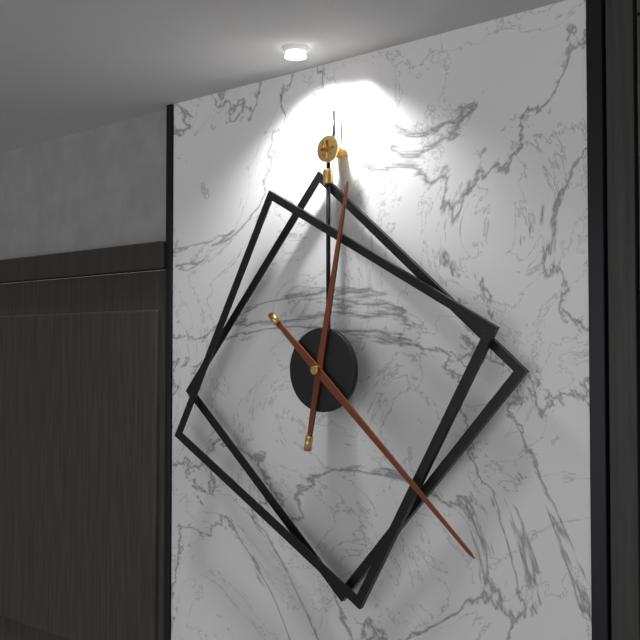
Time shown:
12,22
